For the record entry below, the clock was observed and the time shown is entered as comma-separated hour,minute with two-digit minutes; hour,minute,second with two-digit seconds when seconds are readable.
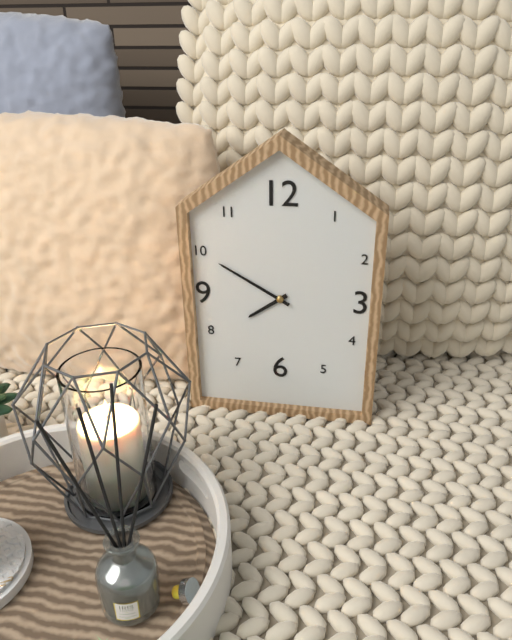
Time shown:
7,50
